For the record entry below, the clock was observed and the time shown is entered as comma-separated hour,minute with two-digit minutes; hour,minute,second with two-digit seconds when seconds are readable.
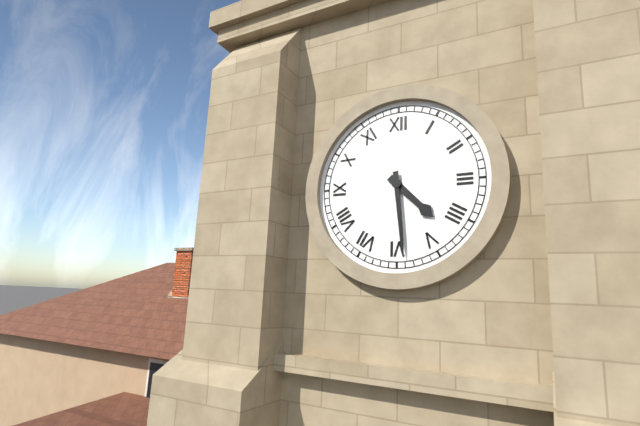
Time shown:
4,29
